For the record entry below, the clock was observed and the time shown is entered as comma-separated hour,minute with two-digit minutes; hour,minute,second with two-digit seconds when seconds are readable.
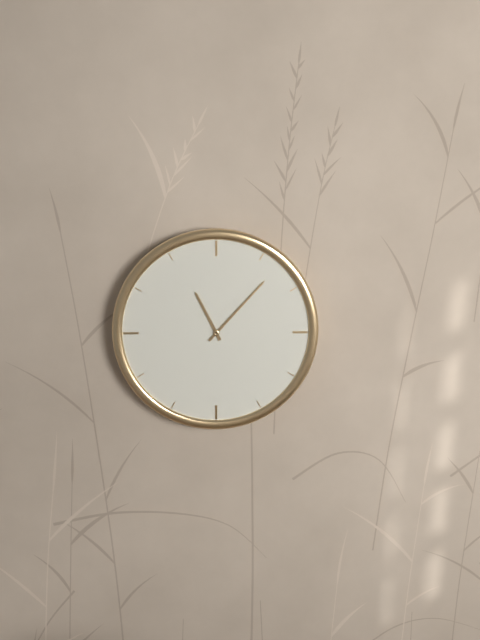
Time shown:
11,07
